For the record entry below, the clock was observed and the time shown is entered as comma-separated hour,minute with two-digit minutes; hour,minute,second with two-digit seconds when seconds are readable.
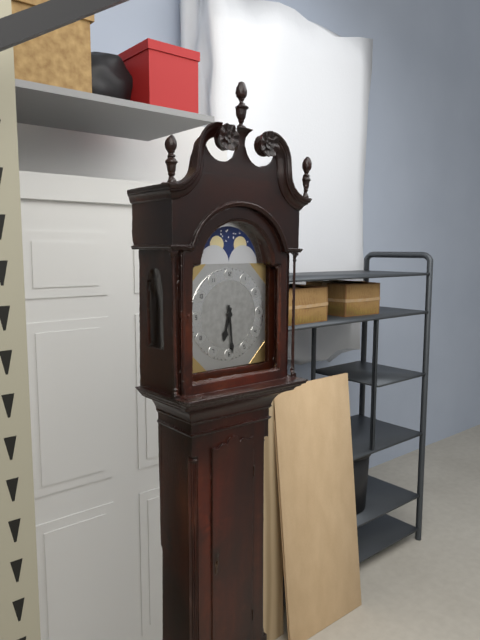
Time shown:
6,29
